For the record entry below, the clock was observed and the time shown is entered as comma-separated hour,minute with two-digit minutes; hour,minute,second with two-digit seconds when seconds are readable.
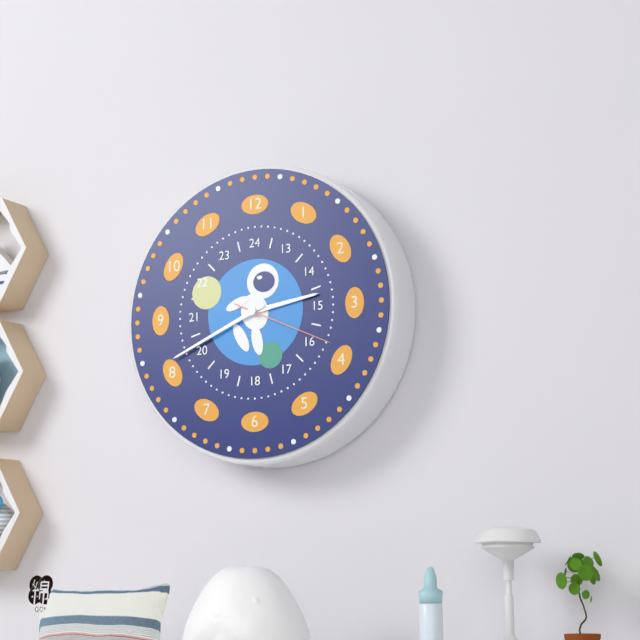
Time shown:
2,41,19
